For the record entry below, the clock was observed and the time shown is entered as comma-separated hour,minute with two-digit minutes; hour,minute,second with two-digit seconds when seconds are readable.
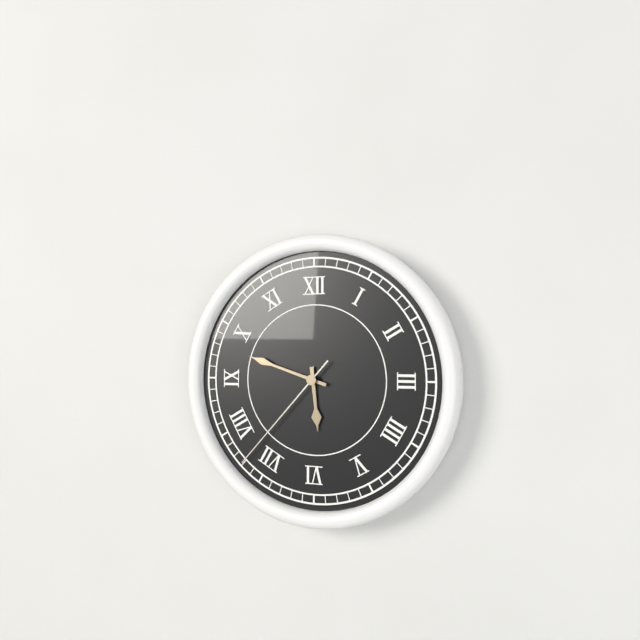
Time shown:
5,48,37
